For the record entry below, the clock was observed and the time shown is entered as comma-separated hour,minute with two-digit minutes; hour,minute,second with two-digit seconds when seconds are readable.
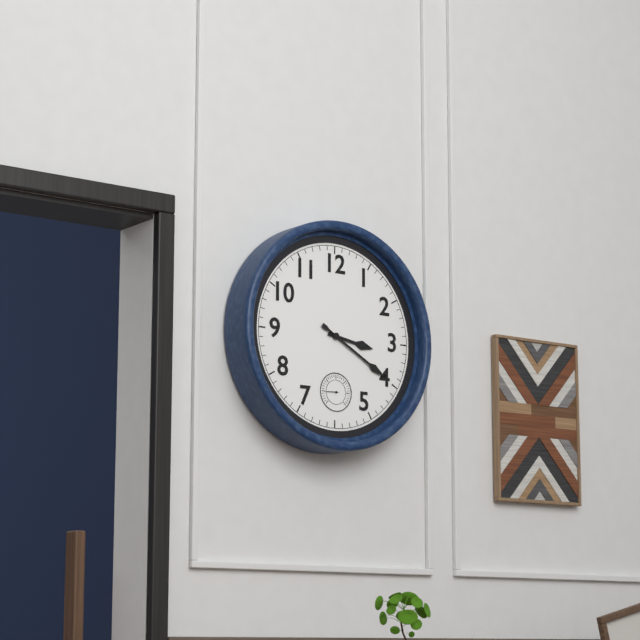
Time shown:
3,20
